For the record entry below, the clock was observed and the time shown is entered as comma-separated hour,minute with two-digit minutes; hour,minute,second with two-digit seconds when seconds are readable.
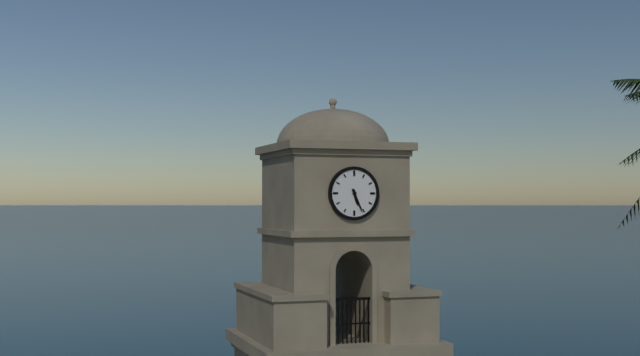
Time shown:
5,26
